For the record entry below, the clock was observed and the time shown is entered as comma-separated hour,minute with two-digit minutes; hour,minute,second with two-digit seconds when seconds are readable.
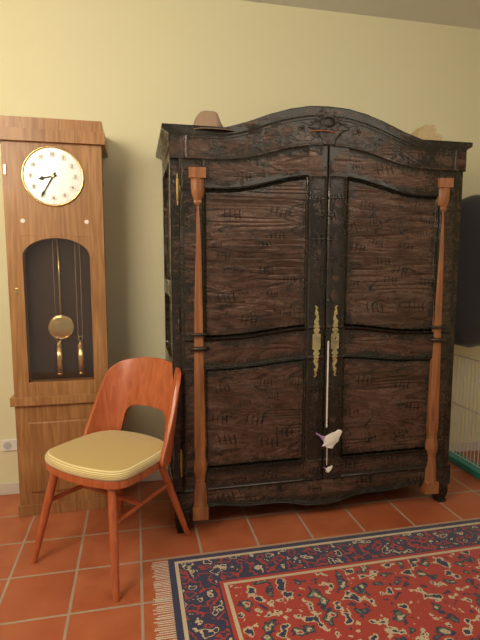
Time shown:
8,35
